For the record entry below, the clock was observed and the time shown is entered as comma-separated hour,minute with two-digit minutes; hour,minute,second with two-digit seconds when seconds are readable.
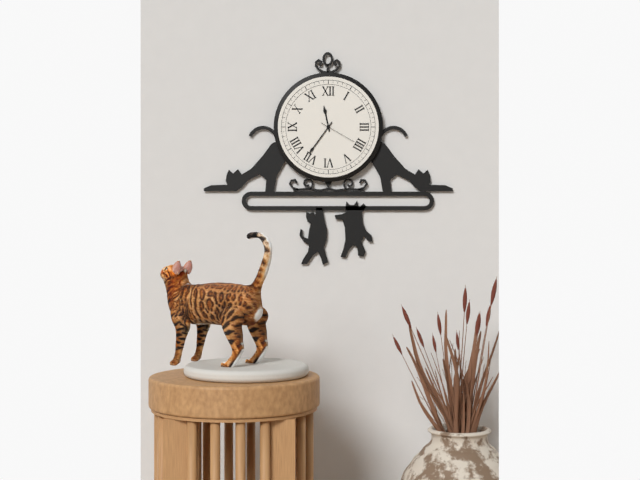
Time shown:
11,36
